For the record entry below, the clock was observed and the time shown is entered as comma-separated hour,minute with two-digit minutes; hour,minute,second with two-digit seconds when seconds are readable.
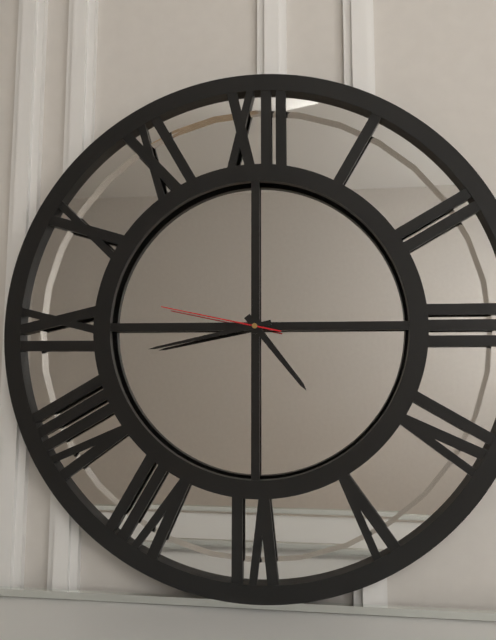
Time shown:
4,43,47
